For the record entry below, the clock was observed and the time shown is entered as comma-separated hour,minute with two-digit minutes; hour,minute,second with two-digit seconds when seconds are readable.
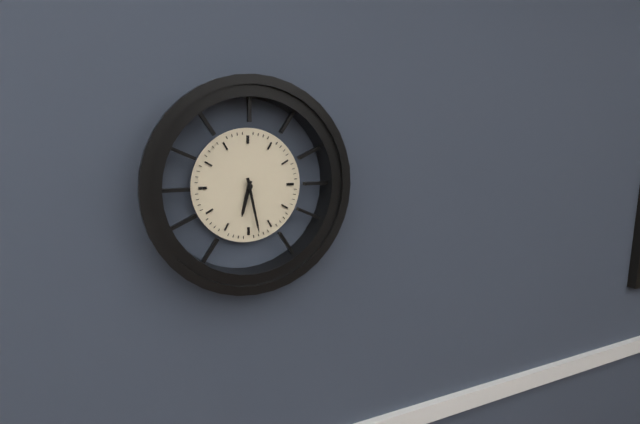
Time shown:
6,28
